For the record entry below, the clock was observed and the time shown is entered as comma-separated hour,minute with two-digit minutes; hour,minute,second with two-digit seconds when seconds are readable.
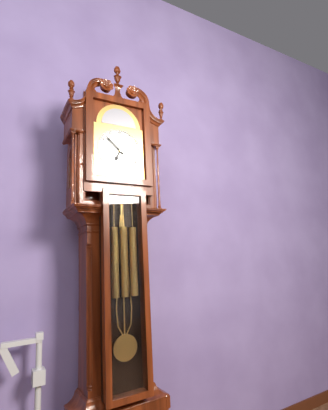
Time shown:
6,52
